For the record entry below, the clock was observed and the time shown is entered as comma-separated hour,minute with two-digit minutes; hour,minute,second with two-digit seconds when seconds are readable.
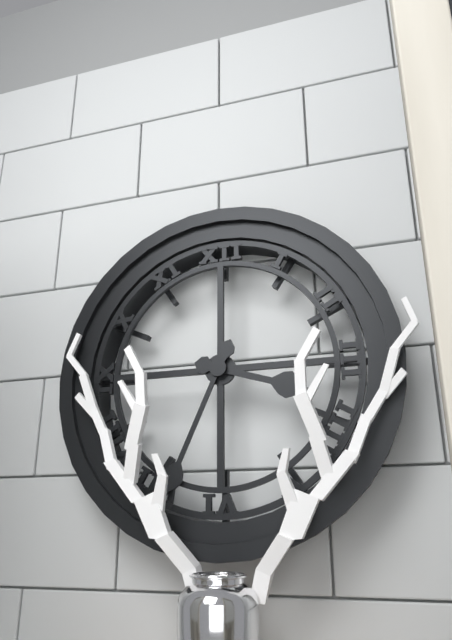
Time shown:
3,34
